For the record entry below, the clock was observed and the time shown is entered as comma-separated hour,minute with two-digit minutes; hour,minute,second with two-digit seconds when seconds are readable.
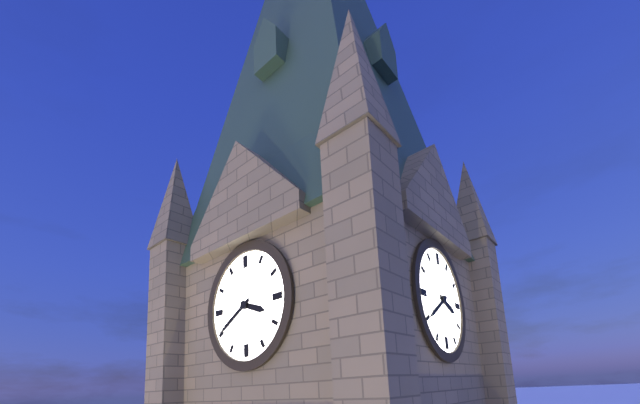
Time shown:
3,40
